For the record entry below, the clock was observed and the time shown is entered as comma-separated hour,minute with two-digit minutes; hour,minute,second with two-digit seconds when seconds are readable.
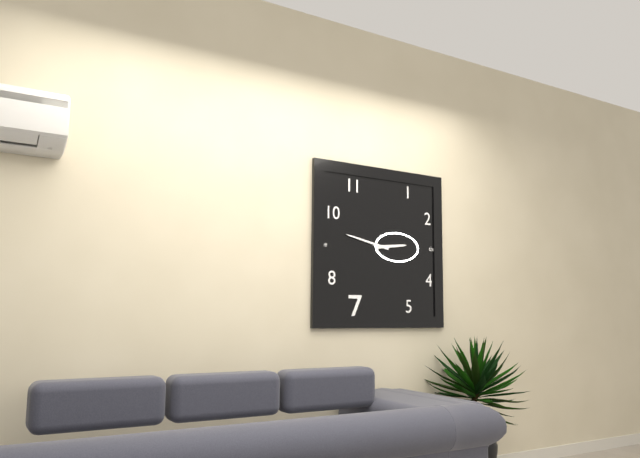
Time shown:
2,47
